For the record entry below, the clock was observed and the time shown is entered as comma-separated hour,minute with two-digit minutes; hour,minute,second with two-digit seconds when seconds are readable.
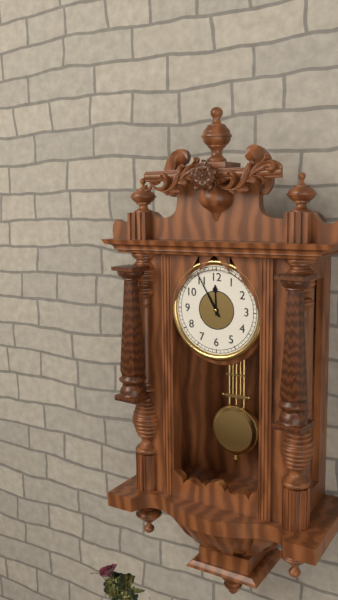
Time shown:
11,55
